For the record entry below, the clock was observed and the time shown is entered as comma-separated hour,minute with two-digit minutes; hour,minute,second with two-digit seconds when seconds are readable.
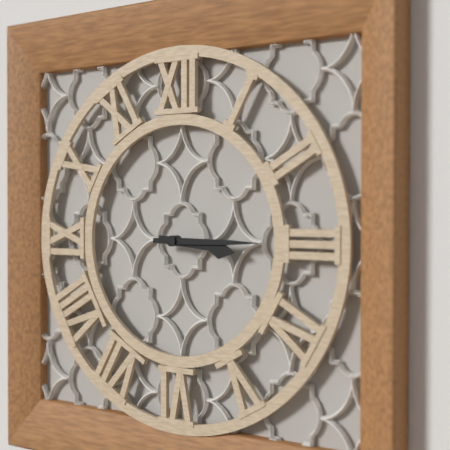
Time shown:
3,15
